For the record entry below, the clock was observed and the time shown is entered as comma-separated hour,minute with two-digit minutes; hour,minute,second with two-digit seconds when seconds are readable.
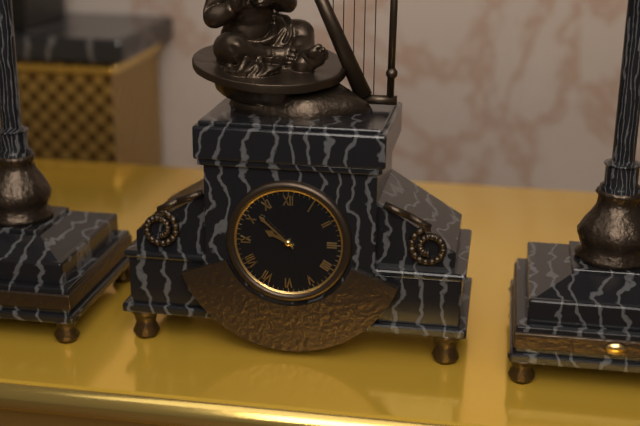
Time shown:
9,52
